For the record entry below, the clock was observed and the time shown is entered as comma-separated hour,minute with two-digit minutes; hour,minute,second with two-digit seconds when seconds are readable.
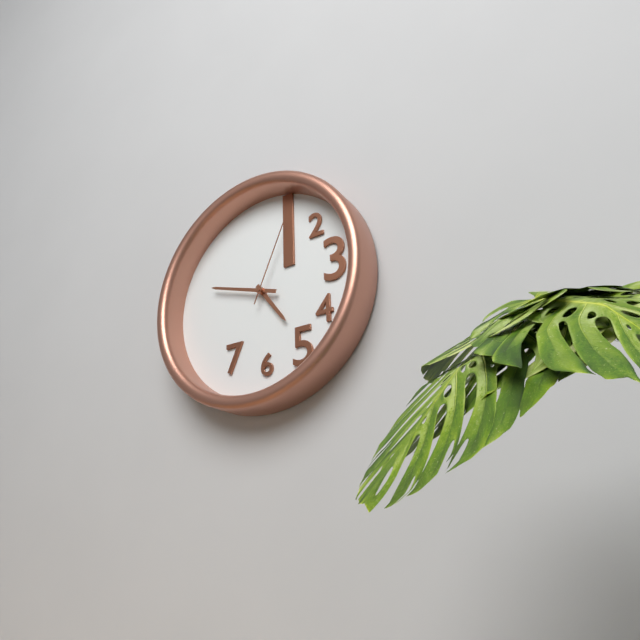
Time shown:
4,48,04
